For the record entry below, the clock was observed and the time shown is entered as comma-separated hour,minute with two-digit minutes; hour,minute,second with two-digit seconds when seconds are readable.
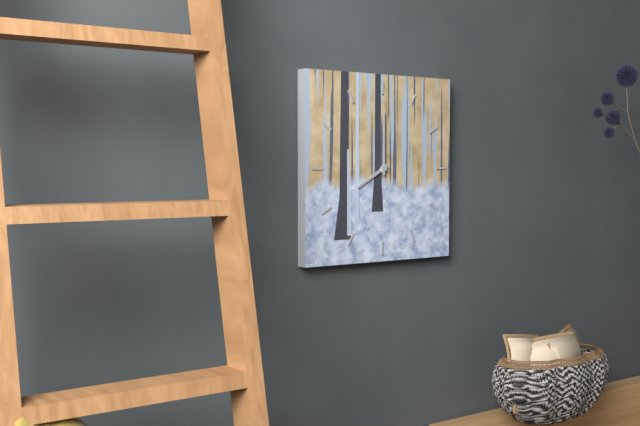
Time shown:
8,00
